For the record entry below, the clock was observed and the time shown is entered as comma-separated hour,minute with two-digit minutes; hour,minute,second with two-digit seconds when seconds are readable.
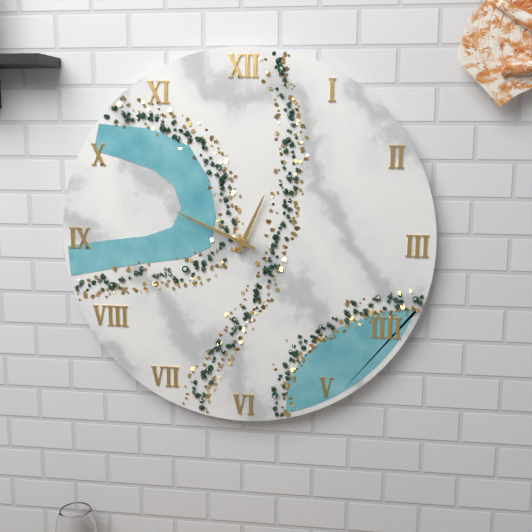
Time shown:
12,49
